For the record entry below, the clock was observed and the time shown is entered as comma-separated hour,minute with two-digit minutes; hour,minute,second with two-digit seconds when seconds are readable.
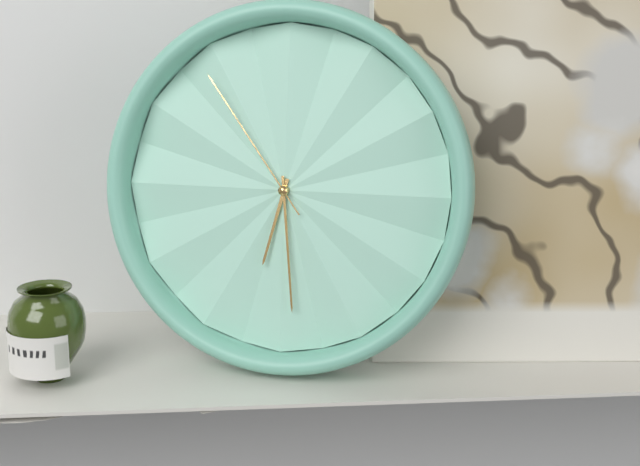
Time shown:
6,29,54
